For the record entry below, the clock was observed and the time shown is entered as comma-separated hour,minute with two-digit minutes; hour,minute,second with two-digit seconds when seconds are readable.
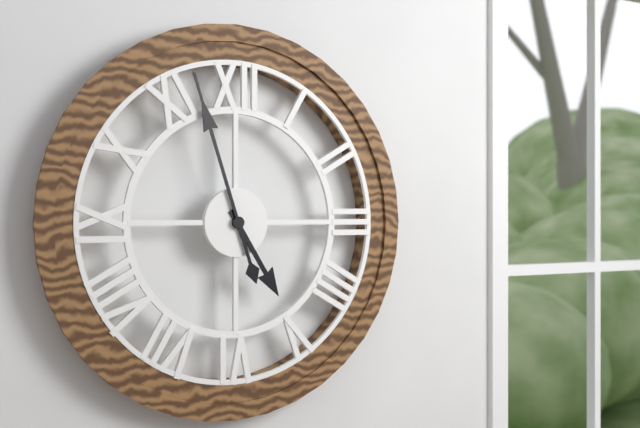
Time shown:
4,57
